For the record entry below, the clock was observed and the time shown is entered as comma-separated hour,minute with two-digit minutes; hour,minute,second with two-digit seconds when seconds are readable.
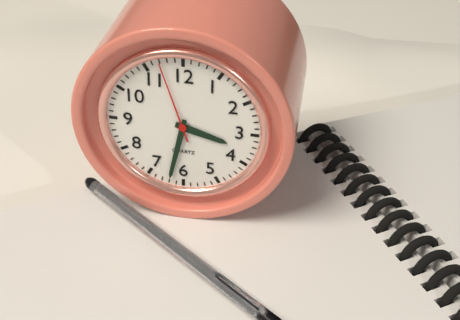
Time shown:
3,32,57
